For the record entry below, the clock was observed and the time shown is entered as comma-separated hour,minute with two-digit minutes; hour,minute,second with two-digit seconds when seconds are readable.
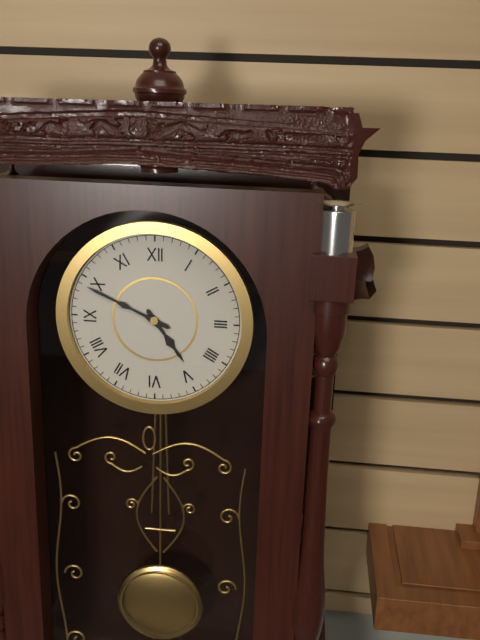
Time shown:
4,49
